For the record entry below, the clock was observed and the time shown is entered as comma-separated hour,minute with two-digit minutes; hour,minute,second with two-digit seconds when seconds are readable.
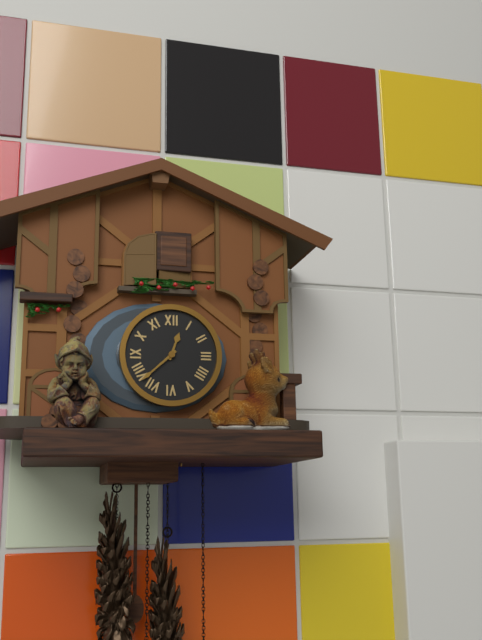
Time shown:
12,38
